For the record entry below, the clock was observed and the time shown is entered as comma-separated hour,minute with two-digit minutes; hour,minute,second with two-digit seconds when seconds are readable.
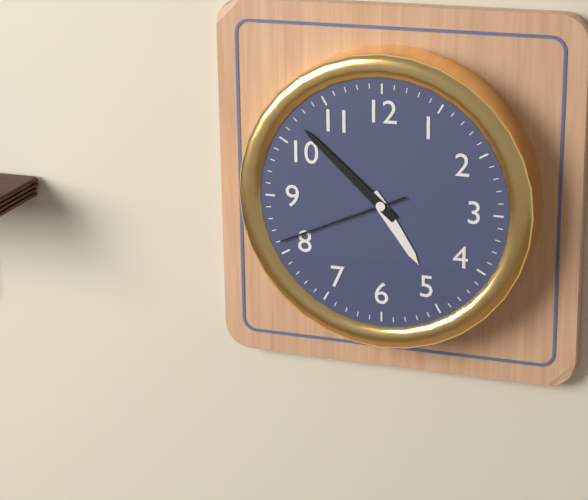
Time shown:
4,52,41
